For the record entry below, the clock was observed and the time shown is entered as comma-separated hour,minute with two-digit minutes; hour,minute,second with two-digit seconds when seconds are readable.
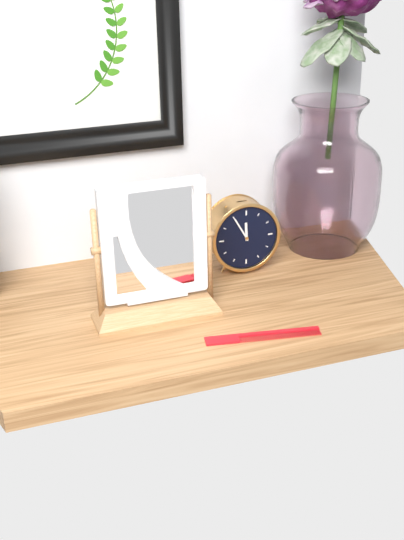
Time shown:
11,55
